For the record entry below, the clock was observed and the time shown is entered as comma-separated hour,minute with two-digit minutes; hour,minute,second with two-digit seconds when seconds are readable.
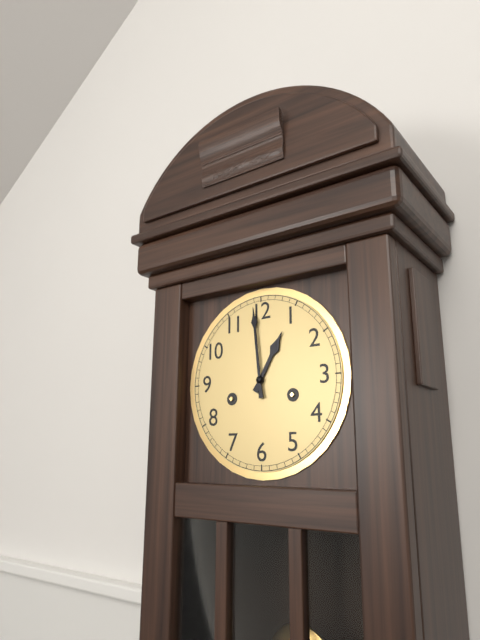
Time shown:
12,59
